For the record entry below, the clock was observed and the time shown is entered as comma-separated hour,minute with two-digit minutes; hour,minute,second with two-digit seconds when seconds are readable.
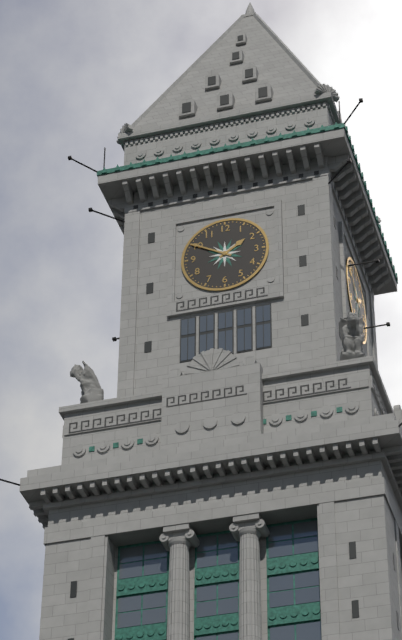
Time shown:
1,50
